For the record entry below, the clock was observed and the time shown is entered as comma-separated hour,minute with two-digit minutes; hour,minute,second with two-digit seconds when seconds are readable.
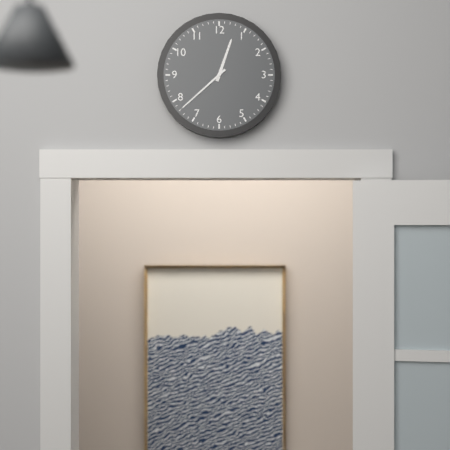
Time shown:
12,38
